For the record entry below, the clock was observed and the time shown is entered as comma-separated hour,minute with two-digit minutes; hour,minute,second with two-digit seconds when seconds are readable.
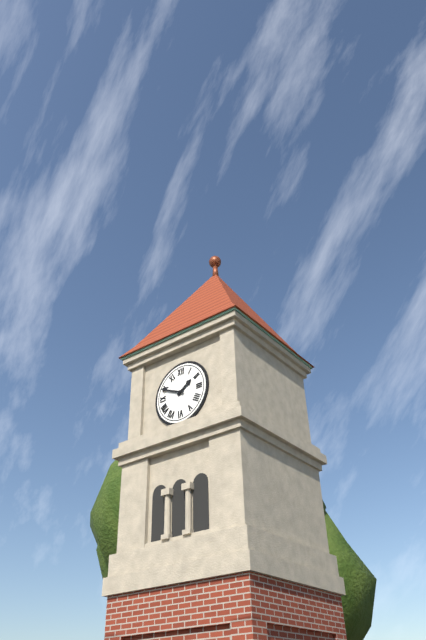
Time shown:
1,49
